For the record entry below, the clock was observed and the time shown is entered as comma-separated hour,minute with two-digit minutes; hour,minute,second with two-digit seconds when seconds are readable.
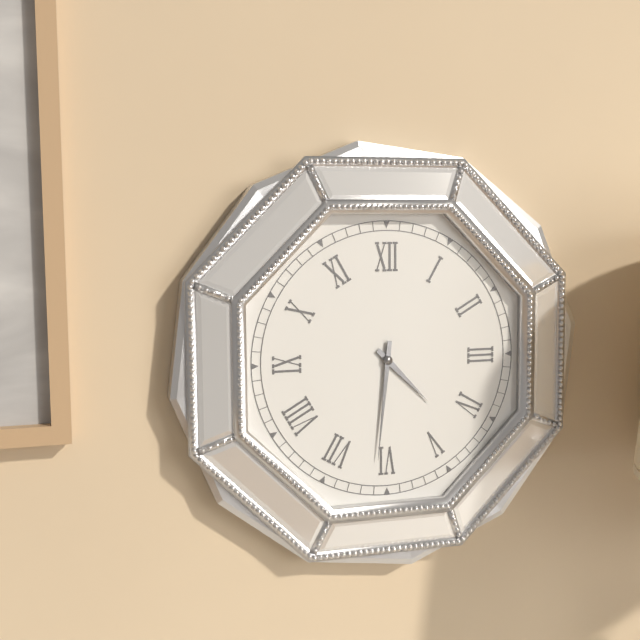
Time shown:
4,31
